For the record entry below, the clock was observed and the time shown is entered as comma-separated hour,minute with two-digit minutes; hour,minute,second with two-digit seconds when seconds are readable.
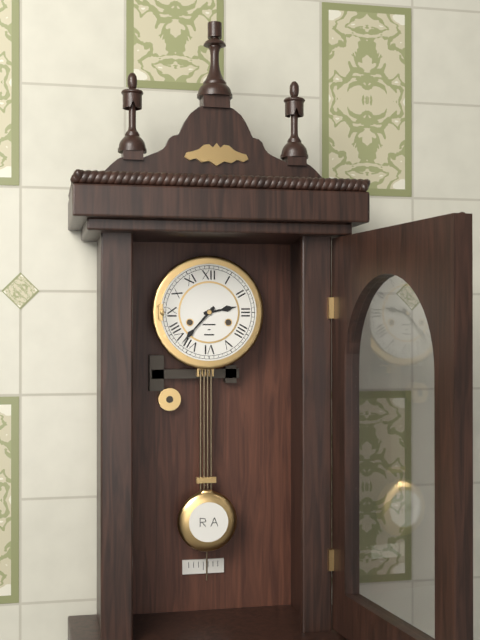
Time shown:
2,37
